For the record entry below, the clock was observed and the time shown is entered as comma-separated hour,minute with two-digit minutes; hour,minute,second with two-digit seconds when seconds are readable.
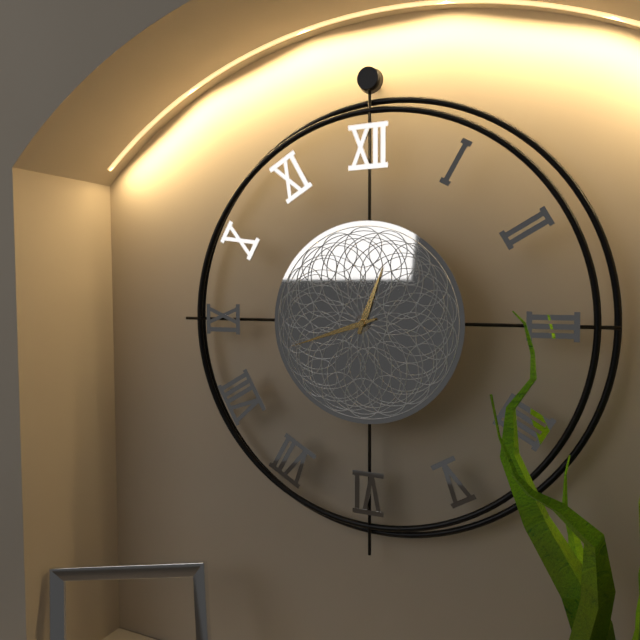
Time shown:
12,42
